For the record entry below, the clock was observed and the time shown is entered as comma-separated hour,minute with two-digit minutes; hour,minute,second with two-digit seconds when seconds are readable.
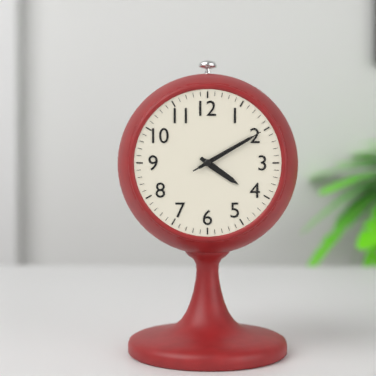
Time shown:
4,10,10
